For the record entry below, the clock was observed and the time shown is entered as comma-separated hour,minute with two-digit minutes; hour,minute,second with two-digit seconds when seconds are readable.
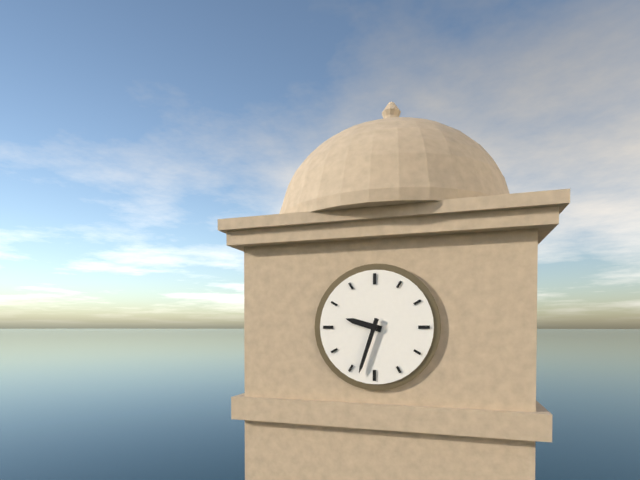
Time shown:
9,33
